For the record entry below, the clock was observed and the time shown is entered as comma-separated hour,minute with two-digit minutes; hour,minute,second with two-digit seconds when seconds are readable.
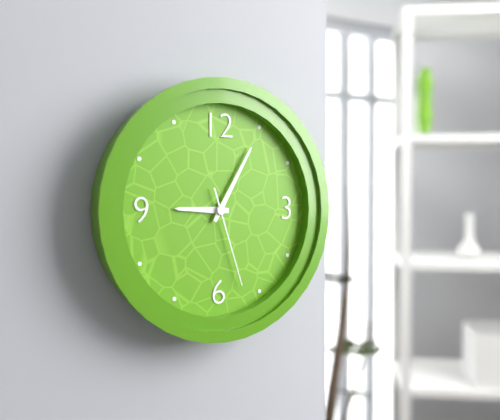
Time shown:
9,05,27
